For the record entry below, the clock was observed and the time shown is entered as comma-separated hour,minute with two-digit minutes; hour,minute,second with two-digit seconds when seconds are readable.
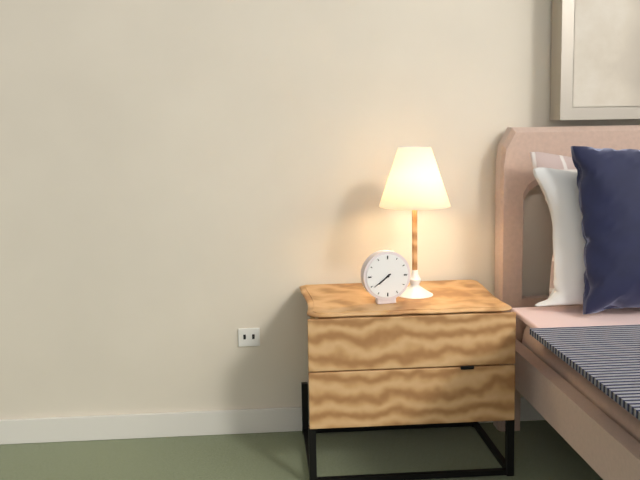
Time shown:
7,39
